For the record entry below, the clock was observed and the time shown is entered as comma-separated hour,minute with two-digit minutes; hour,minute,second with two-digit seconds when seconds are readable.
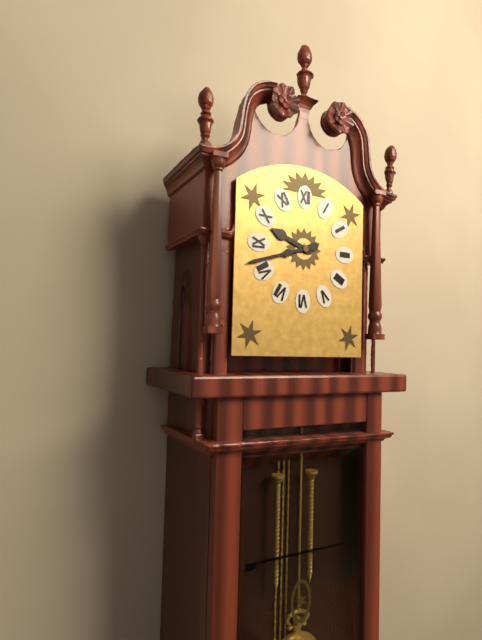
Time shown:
9,42
